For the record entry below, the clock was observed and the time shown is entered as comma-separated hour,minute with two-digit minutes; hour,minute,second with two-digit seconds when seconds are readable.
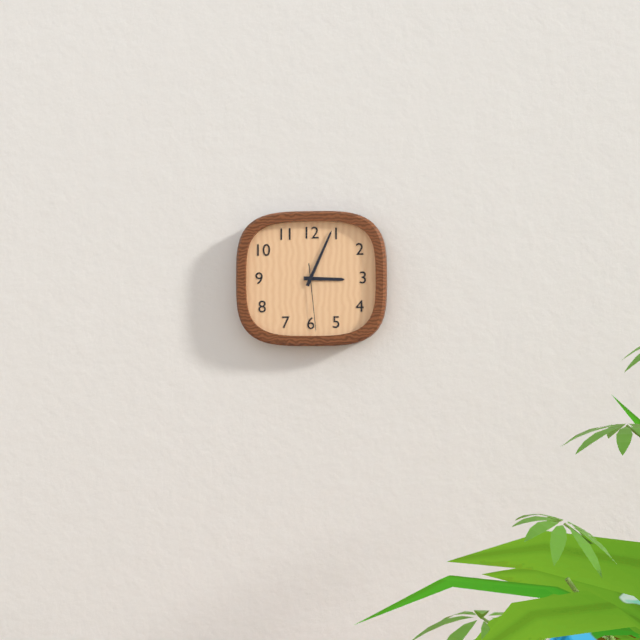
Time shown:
3,04,29
